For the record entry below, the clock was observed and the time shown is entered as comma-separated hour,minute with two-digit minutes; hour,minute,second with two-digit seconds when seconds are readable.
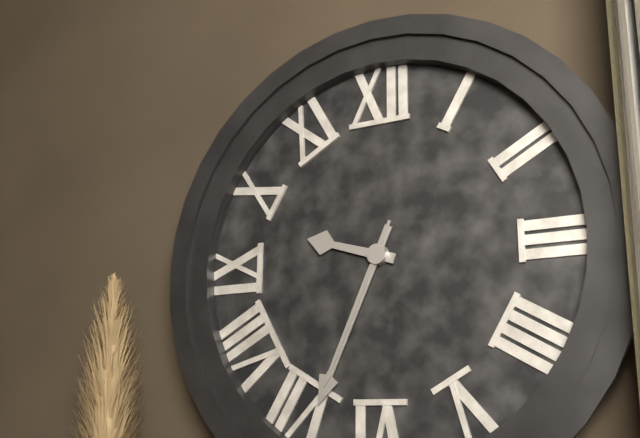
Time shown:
9,34,34
